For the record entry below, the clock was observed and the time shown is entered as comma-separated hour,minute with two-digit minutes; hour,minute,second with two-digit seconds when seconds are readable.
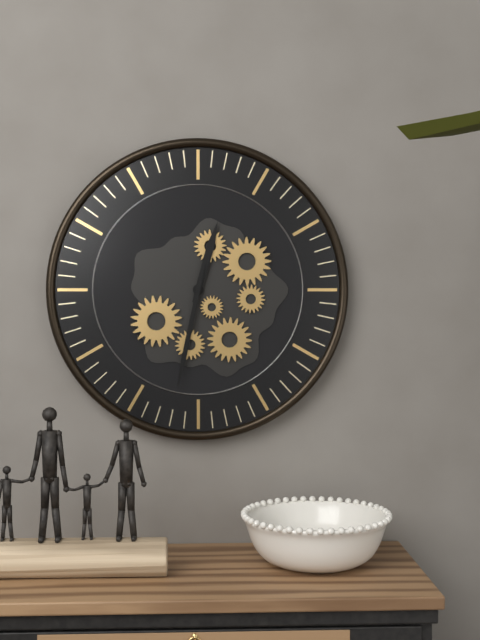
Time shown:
12,32
